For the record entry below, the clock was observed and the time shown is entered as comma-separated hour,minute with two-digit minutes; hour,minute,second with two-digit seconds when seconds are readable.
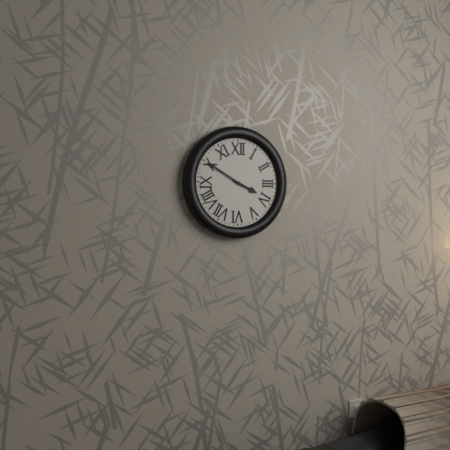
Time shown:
3,50
